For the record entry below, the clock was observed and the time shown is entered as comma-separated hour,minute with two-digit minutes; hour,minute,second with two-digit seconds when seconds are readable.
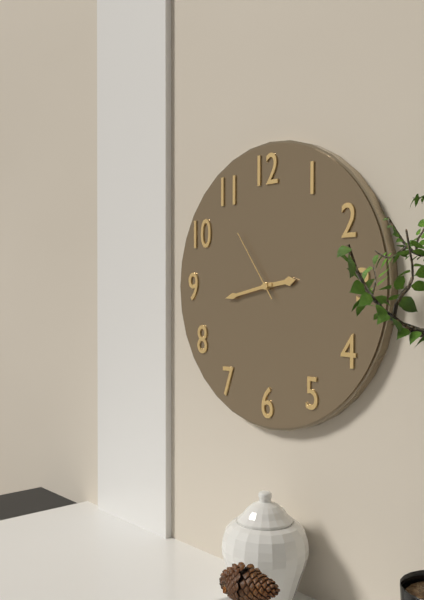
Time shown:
2,43,54
